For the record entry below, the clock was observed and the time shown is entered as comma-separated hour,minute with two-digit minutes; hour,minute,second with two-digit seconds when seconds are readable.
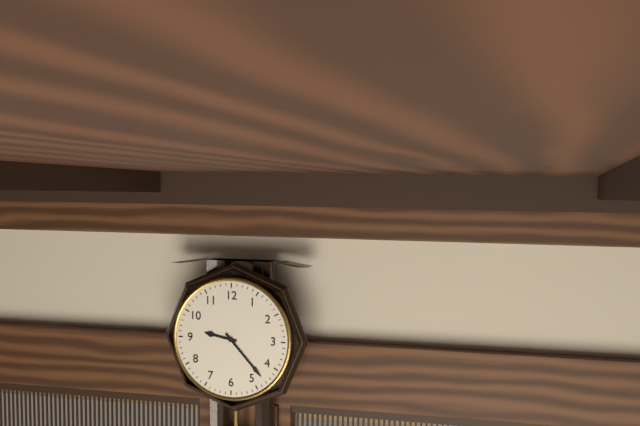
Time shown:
9,23
